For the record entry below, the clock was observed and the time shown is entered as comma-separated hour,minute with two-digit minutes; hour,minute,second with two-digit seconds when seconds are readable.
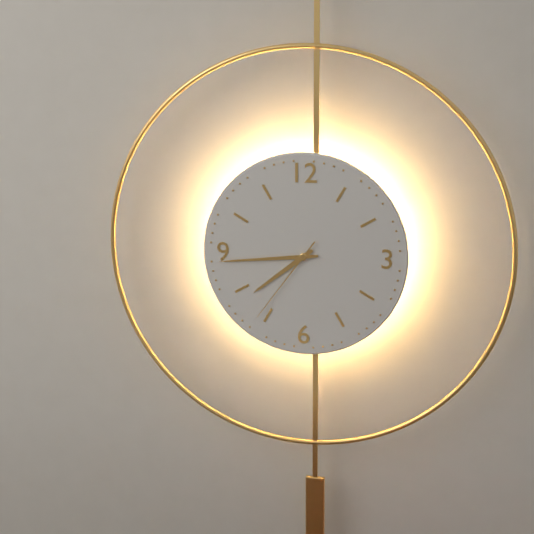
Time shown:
7,44,36
